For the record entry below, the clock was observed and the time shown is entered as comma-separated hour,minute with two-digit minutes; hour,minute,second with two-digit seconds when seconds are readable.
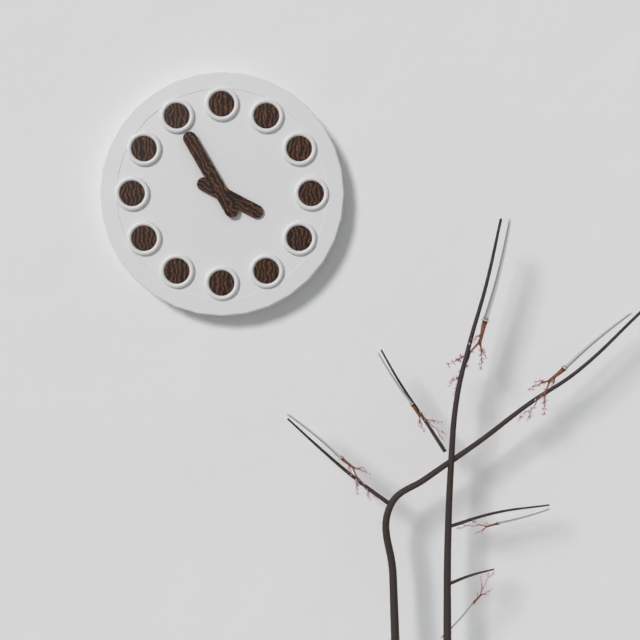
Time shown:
3,55
